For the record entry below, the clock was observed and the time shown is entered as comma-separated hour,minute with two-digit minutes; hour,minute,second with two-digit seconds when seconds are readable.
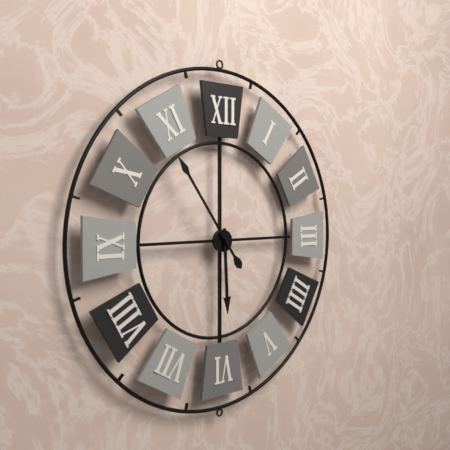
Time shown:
5,54
